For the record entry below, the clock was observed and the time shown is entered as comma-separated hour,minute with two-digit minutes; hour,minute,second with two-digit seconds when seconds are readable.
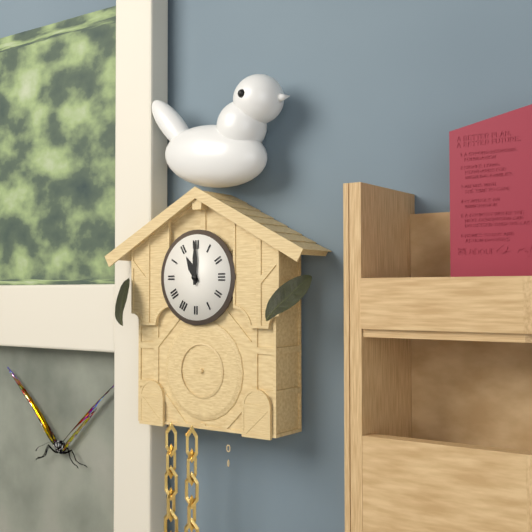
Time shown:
11,00
